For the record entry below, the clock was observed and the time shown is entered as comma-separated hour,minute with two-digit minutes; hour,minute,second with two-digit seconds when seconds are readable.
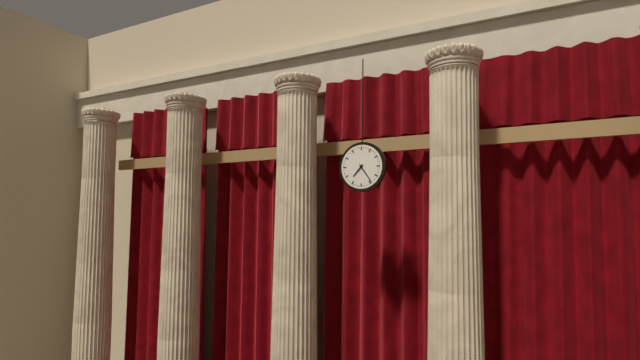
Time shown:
7,24
